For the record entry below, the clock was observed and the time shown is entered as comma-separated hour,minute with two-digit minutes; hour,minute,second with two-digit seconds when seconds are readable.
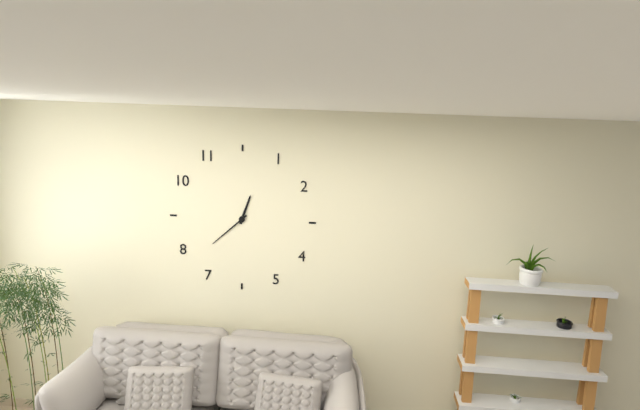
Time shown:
12,38
